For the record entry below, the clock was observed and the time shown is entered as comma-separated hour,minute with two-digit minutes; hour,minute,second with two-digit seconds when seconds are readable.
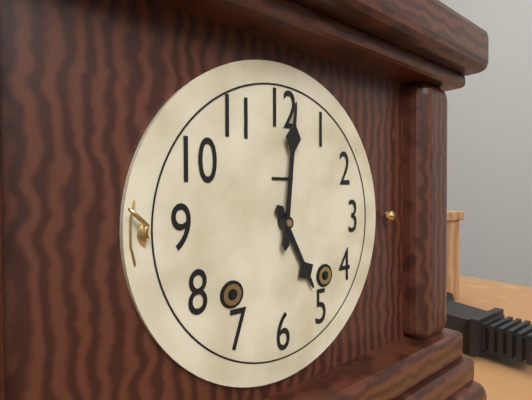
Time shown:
5,01
